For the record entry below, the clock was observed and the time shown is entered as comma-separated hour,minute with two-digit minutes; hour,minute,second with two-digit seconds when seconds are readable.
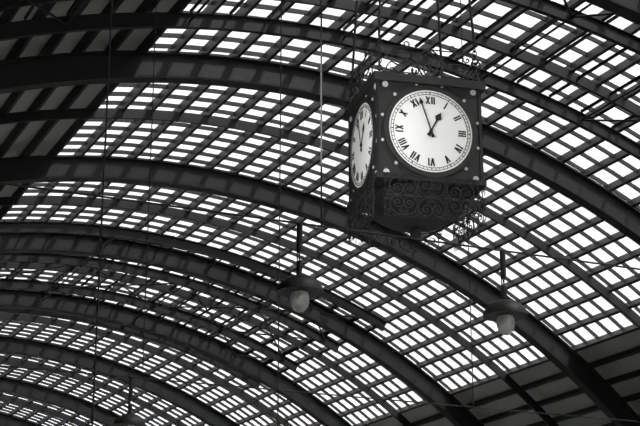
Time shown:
12,57
